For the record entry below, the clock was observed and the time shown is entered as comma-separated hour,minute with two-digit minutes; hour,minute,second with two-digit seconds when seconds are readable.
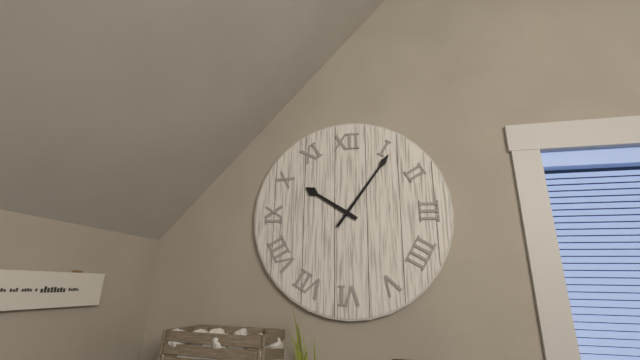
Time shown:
10,06
